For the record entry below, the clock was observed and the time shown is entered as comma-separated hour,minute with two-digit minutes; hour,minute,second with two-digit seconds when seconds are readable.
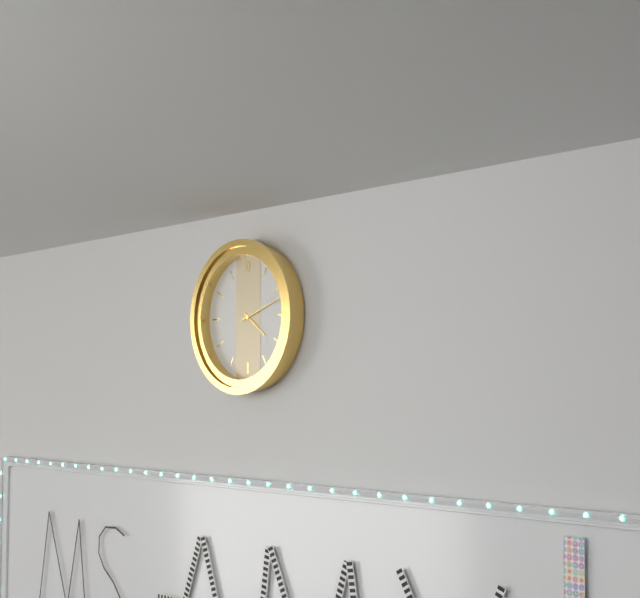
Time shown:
4,12
